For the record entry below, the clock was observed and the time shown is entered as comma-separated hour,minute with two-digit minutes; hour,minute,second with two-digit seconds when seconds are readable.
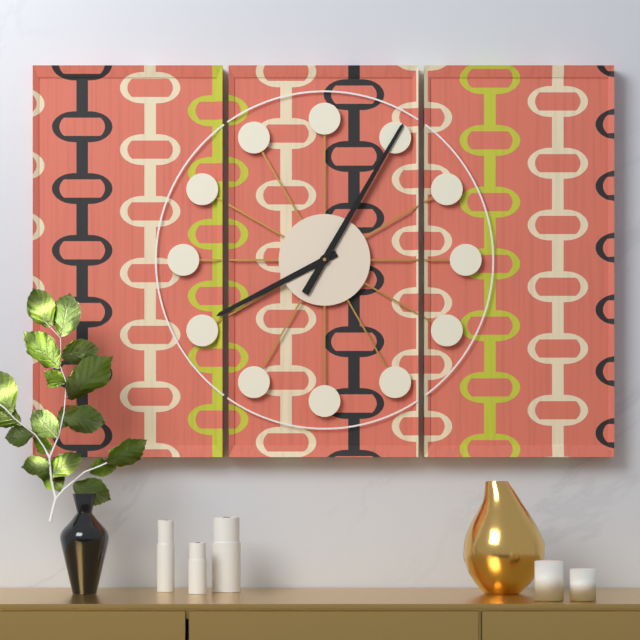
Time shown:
8,05
